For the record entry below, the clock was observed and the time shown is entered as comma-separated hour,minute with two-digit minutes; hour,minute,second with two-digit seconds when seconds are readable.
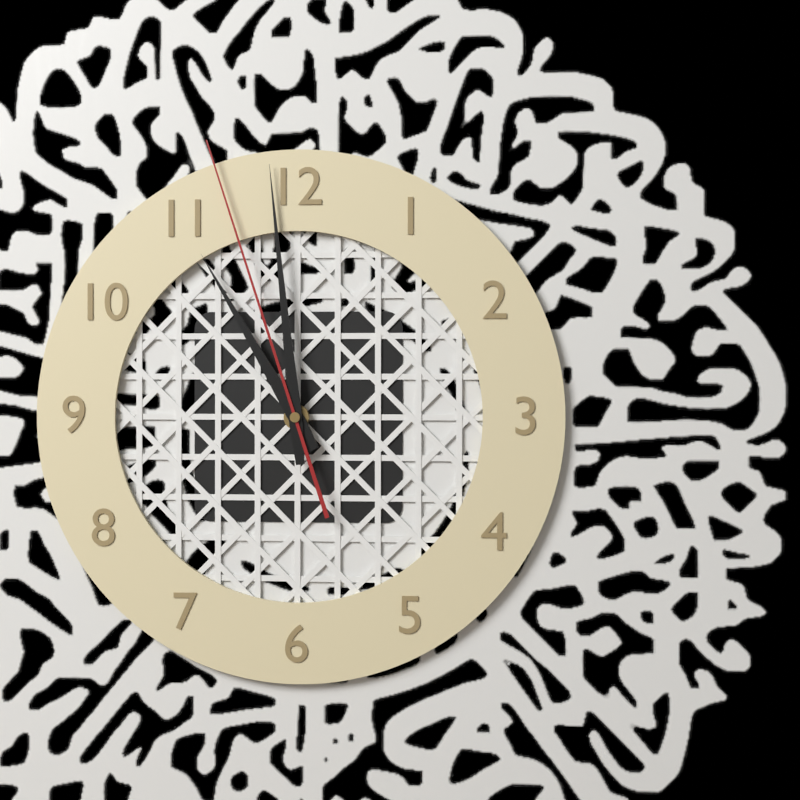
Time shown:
10,59,57
